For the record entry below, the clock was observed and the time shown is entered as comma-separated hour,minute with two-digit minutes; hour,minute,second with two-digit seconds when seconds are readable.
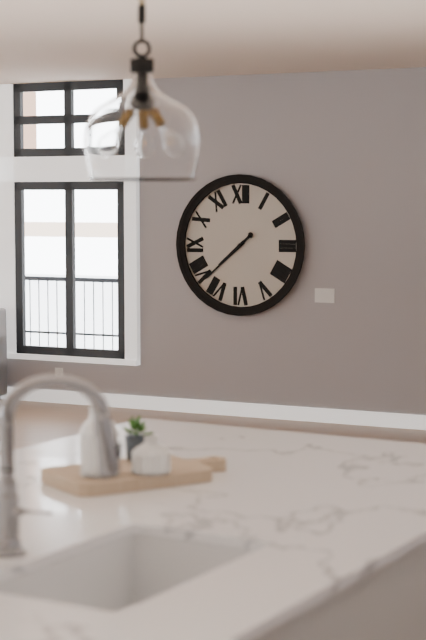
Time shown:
7,38
